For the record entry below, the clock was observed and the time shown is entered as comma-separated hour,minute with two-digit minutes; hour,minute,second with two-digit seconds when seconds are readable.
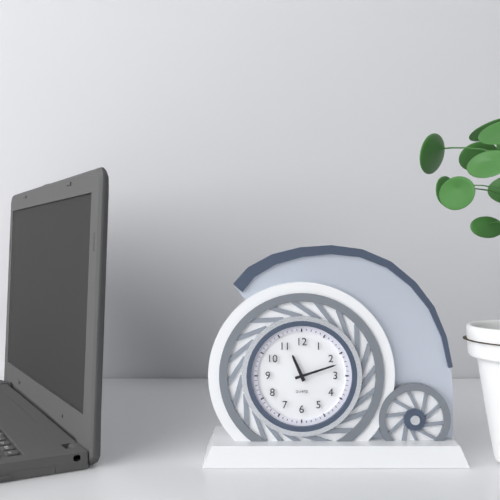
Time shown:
11,12
